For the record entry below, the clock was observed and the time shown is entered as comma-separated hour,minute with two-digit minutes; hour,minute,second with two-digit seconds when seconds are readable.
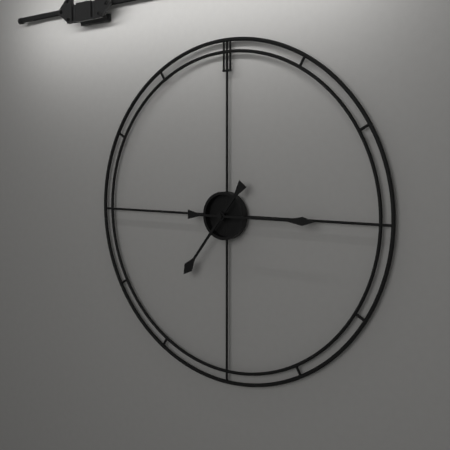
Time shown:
7,15
